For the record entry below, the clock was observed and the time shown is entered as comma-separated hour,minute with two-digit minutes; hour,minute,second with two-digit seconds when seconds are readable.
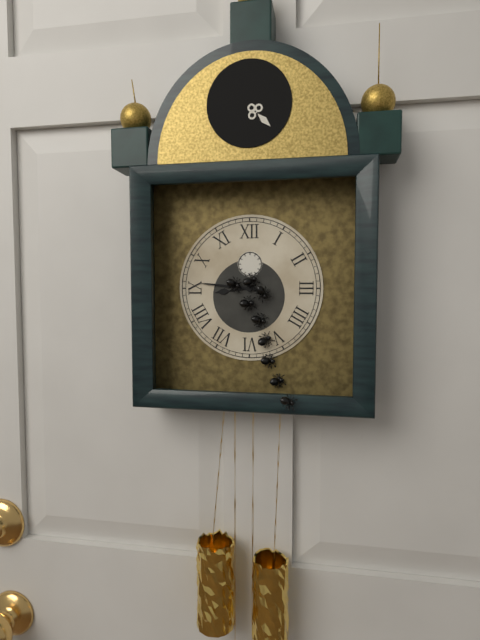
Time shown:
8,46
